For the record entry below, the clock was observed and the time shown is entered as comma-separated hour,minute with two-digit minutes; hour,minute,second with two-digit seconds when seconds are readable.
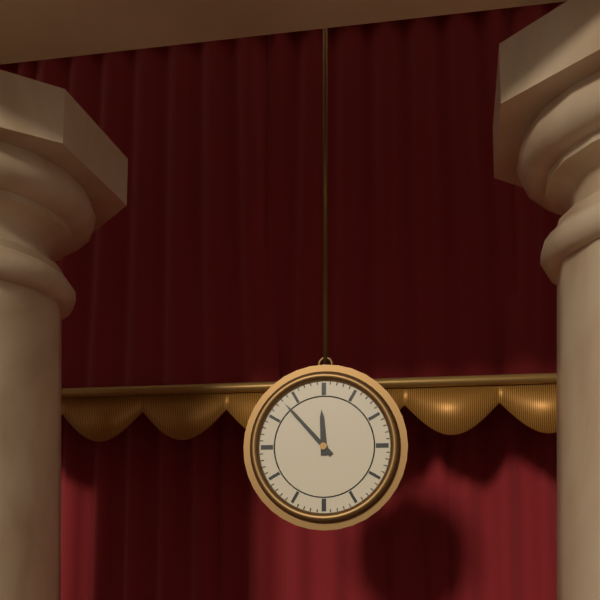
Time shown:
11,53
